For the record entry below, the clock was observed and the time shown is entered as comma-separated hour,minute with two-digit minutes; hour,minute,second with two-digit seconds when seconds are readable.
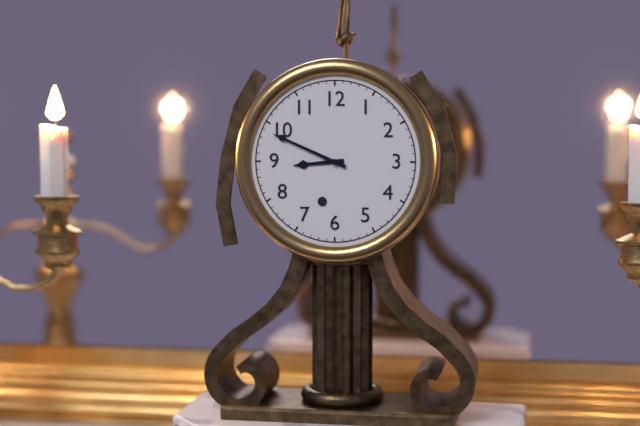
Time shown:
8,49
